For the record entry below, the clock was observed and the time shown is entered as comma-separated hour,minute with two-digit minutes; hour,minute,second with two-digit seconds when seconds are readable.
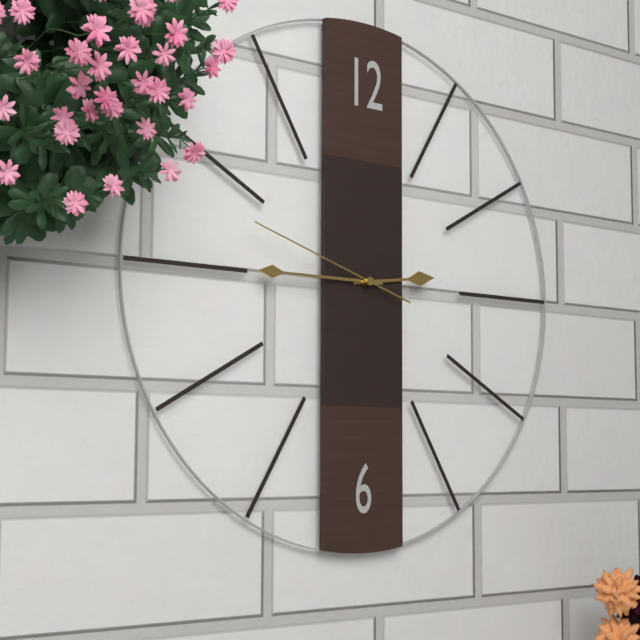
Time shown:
2,45,48
